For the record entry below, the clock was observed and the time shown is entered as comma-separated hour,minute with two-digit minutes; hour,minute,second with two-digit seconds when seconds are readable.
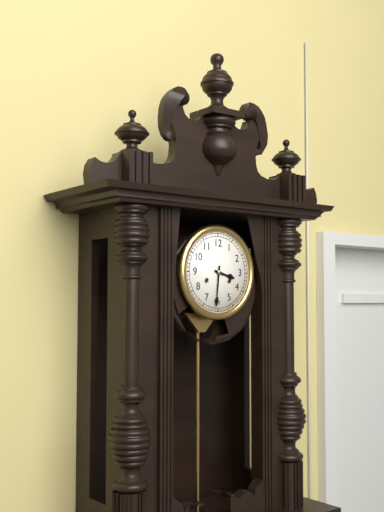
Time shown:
3,31
